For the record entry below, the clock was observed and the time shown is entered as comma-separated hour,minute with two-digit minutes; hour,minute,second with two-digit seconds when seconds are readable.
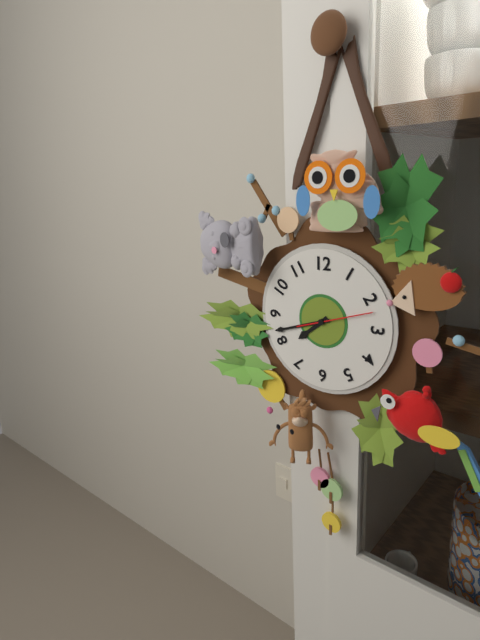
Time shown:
7,42,12
